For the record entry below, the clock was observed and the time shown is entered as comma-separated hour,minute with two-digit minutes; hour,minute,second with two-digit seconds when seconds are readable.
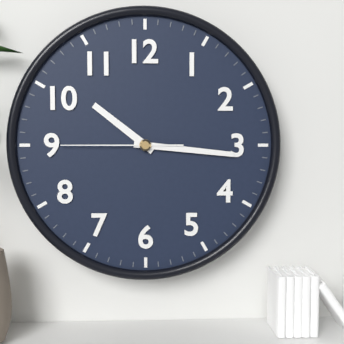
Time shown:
10,16,45
